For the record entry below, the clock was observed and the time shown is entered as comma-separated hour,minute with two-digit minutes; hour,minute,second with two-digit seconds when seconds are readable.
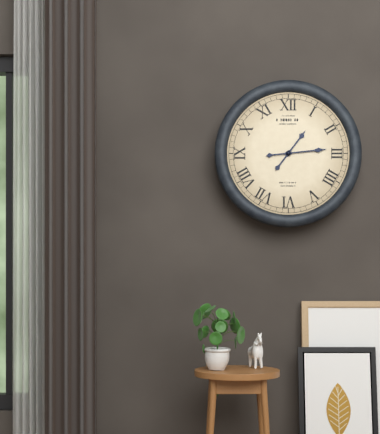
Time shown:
1,14
